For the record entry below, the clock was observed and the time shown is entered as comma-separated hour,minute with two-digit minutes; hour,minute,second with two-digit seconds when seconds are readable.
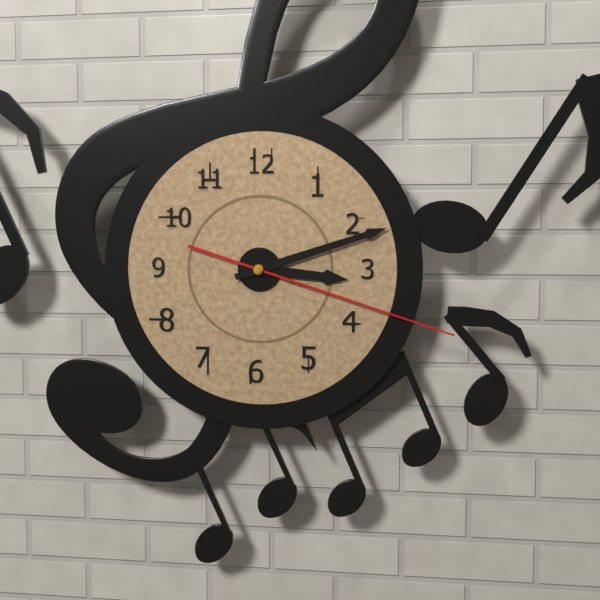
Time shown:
3,12,18
